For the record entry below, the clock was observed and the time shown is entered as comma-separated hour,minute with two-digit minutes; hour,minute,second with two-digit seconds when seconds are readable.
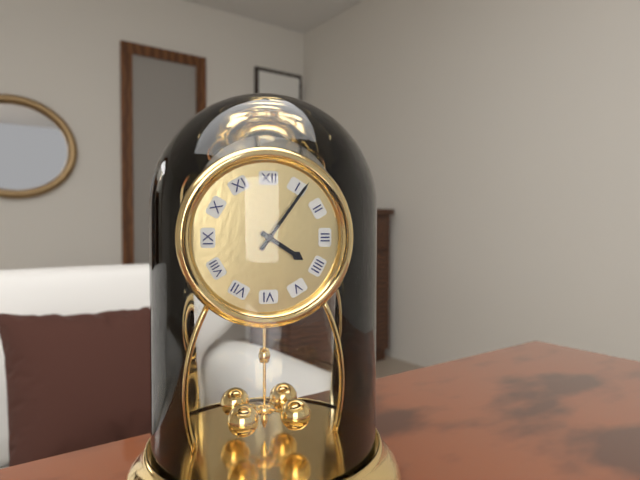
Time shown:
4,06
